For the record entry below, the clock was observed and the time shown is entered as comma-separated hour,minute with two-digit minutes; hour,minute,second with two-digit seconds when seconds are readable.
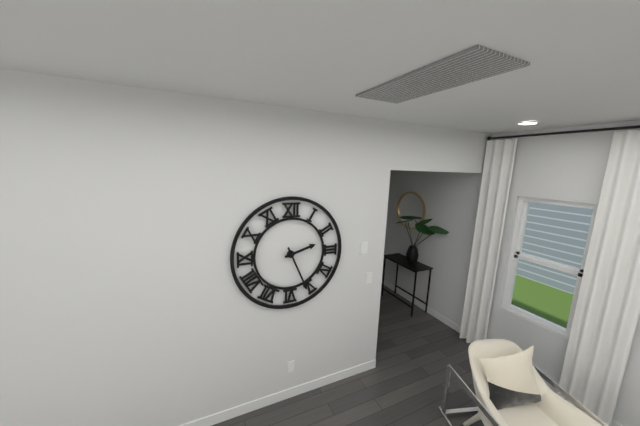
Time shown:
2,26
